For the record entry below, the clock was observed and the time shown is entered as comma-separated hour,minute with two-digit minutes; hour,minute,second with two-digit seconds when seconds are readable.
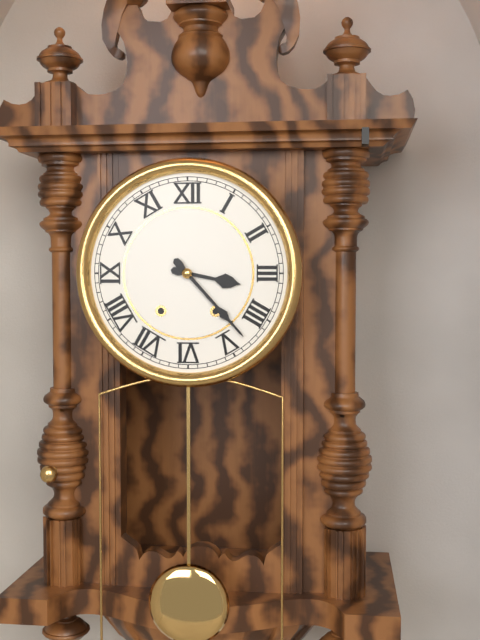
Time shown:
3,23
